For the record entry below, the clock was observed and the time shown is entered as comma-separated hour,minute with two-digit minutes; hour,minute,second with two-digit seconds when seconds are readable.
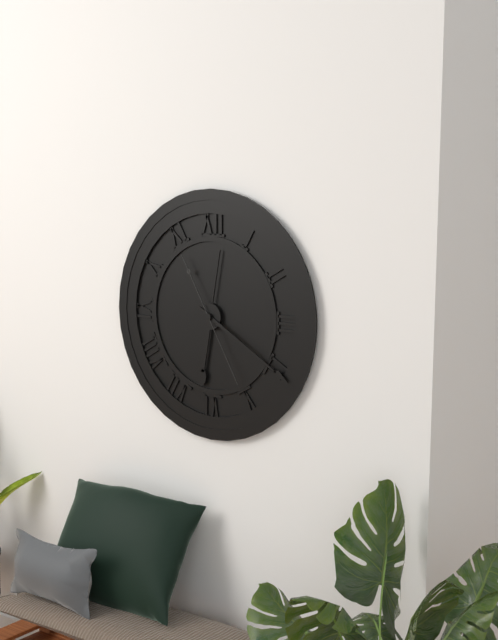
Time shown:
6,20,25
